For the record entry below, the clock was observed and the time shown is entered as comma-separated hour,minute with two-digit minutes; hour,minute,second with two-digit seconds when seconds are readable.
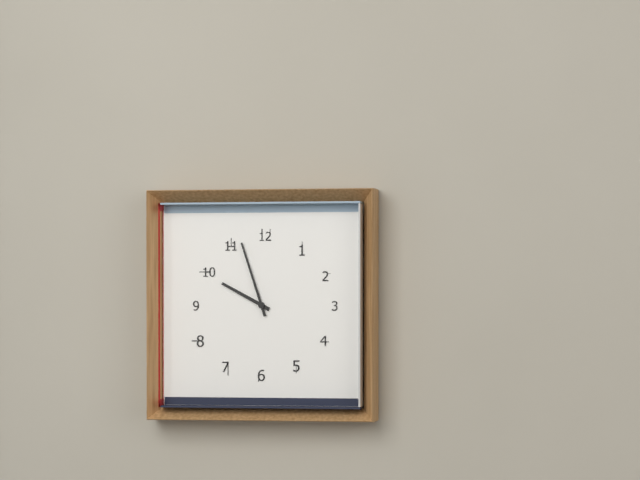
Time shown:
9,57
